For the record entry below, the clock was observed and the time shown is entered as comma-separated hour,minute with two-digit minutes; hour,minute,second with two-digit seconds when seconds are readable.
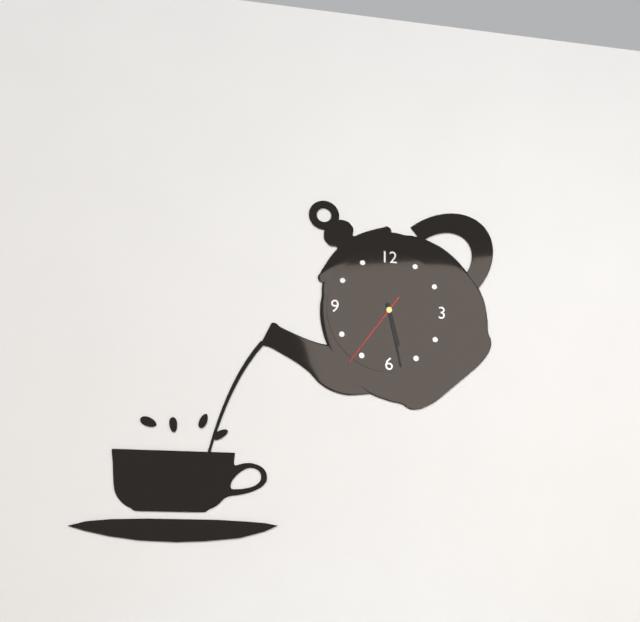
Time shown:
5,28,36
